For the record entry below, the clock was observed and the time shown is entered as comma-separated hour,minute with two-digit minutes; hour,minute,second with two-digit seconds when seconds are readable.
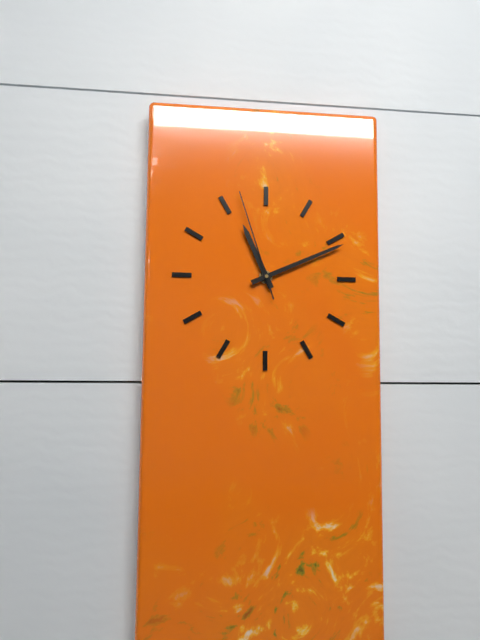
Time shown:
11,11,57
